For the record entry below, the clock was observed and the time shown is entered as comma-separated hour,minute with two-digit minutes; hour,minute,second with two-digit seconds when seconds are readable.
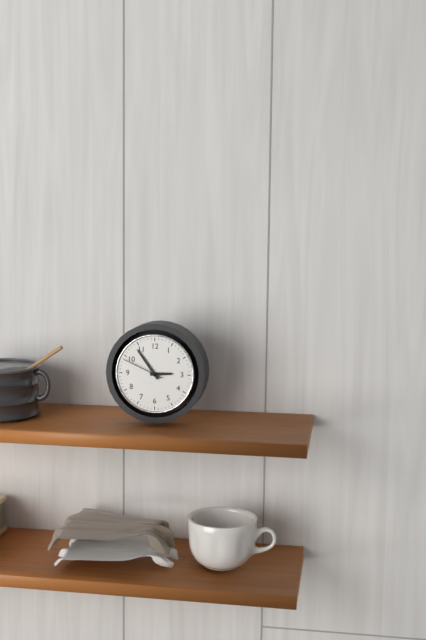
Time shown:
2,54
